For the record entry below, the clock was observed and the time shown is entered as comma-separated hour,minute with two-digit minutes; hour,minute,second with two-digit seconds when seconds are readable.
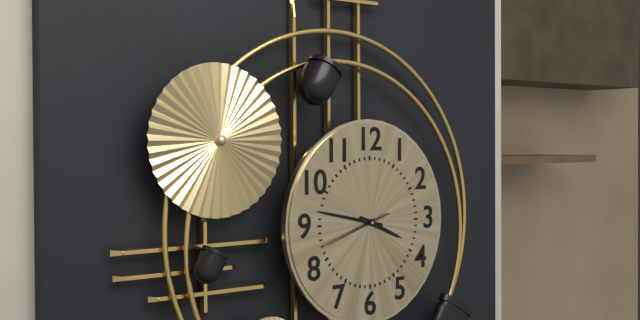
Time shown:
3,47,42
